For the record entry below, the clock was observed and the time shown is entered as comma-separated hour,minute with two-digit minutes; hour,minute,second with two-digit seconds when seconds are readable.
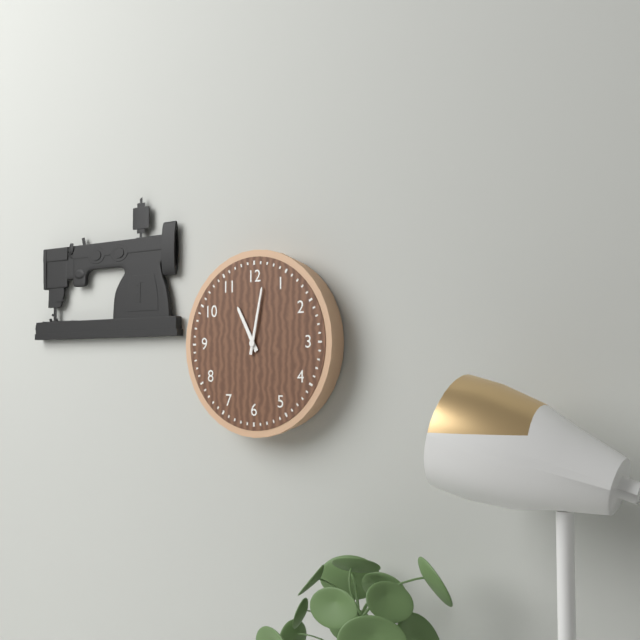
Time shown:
11,02
